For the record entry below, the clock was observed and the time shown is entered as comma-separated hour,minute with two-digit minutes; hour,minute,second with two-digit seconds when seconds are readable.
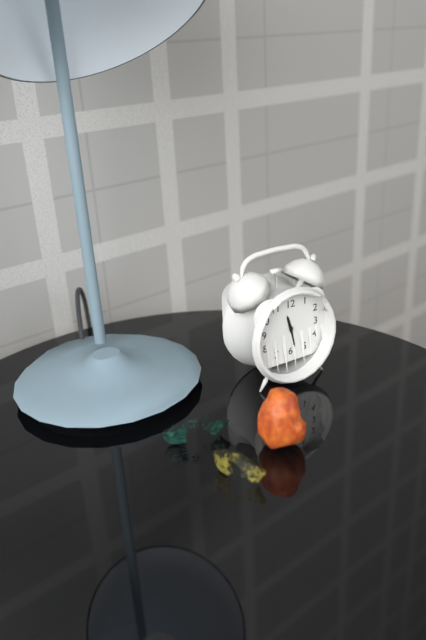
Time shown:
11,28
